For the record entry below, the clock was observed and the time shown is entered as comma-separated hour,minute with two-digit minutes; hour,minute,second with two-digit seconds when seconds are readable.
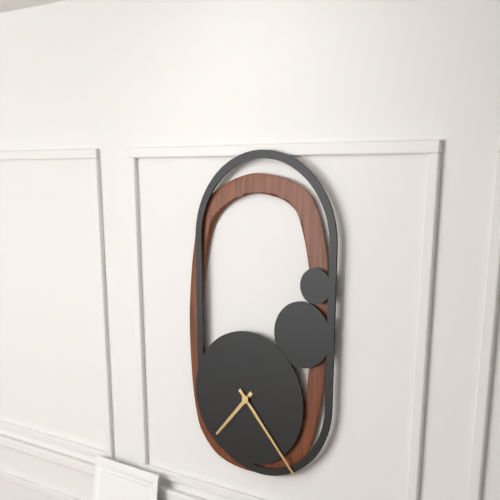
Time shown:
7,23
